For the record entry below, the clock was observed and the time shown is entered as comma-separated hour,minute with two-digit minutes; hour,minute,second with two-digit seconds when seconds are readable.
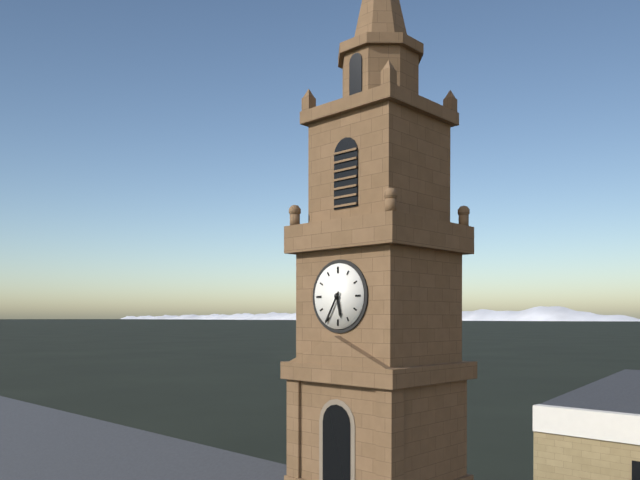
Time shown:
5,35
